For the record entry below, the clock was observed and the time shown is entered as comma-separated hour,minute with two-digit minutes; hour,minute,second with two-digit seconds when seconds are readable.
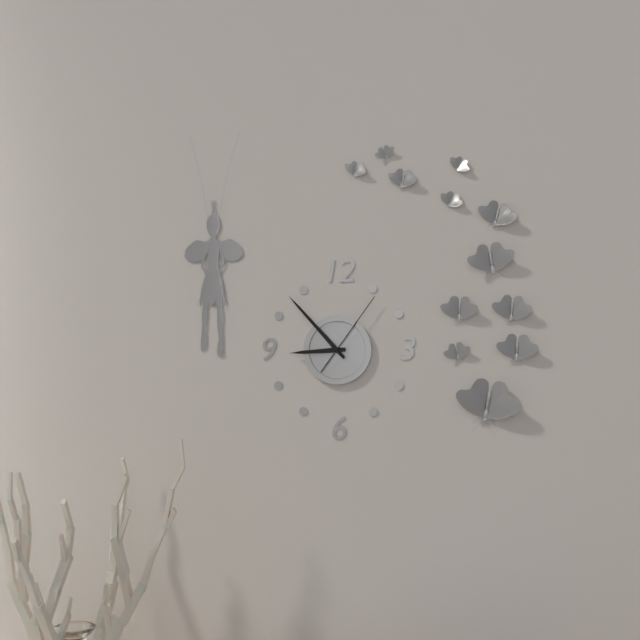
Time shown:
8,53,06
